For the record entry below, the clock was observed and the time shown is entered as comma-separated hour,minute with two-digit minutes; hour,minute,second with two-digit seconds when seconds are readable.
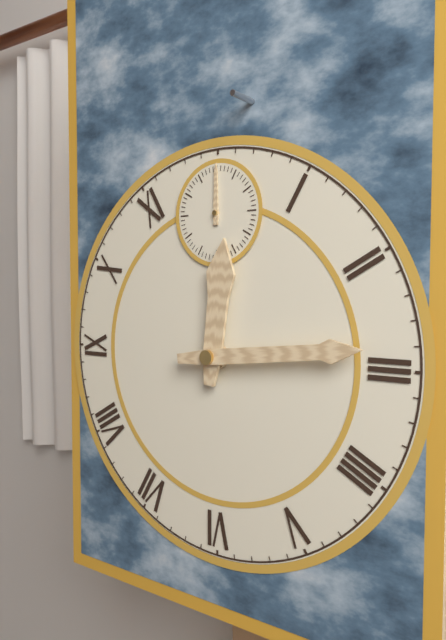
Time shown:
12,14,00
